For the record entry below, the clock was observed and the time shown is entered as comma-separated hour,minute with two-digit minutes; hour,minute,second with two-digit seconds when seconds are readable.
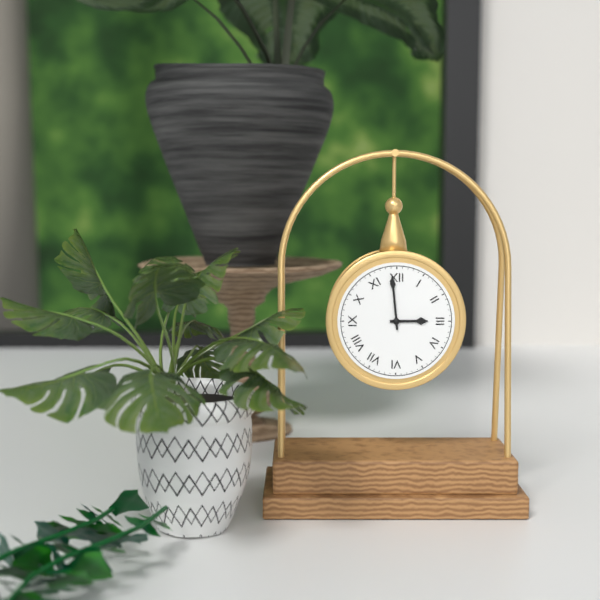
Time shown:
2,59
